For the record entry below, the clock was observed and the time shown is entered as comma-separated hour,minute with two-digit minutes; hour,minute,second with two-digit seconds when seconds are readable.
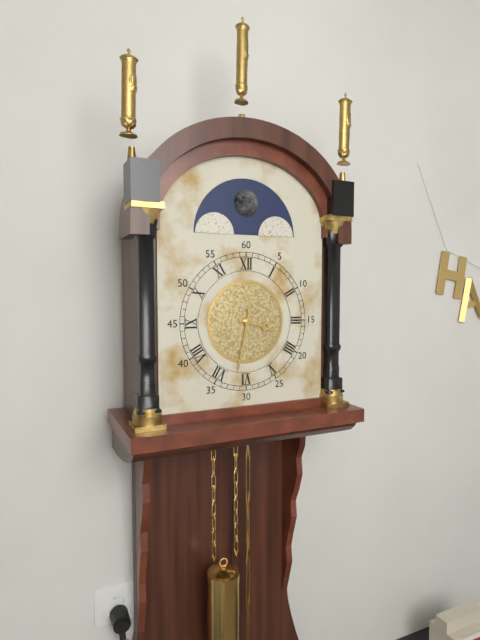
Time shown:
3,32
